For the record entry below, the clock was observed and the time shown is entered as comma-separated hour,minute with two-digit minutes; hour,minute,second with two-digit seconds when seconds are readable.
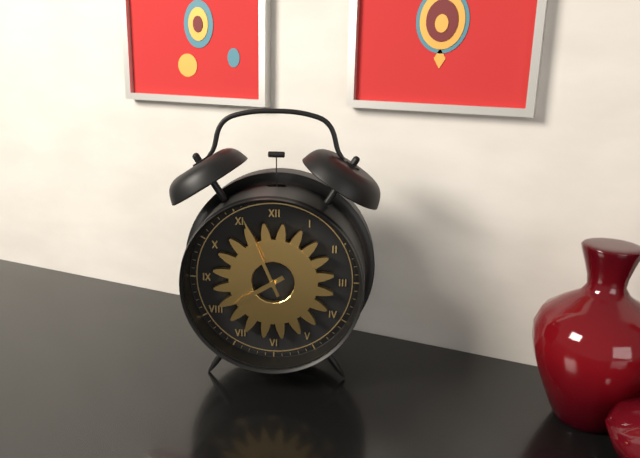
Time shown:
7,56
